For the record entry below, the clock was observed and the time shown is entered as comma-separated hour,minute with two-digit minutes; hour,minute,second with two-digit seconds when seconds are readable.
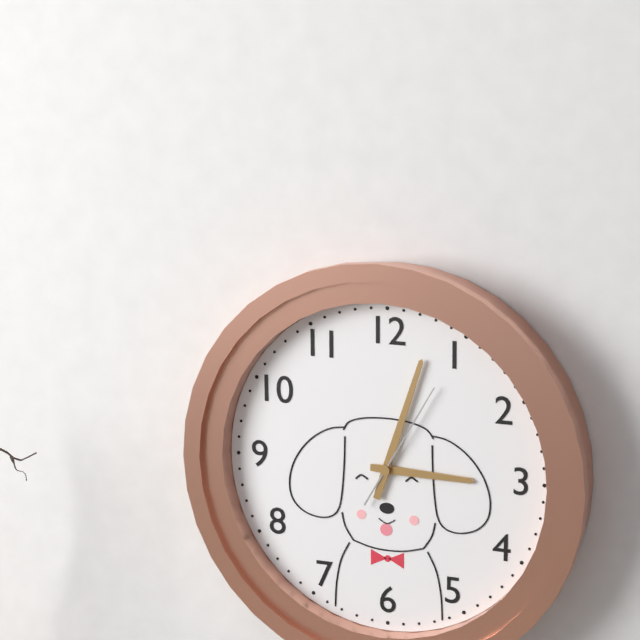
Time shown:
3,03,05
